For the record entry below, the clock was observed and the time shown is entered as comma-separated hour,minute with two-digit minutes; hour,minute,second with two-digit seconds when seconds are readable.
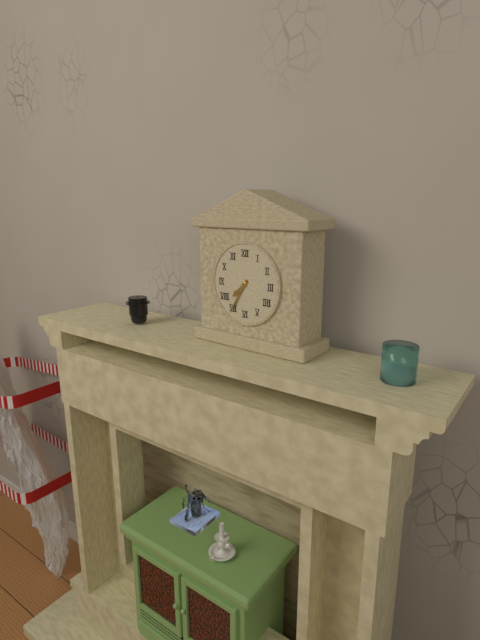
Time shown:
7,35
